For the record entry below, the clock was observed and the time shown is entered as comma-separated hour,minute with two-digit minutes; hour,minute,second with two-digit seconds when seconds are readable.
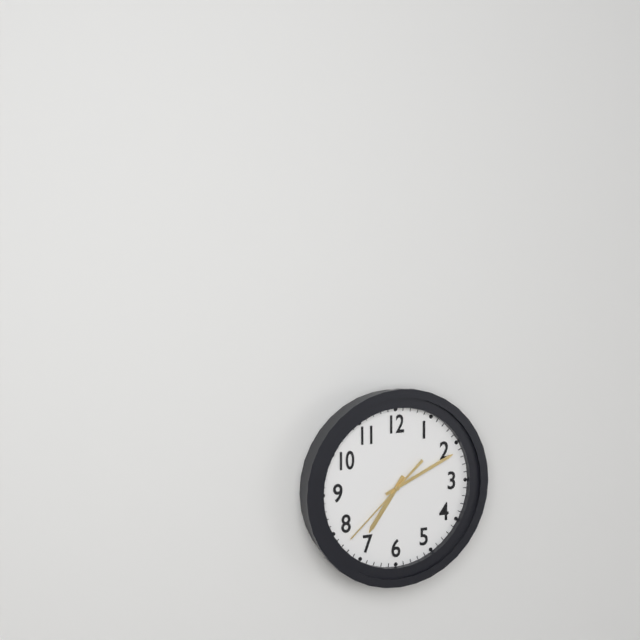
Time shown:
7,11,38
